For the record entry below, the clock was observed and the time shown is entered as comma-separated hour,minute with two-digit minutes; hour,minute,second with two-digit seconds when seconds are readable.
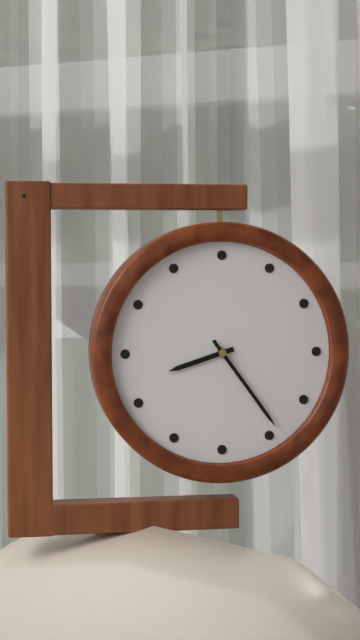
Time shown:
8,24
